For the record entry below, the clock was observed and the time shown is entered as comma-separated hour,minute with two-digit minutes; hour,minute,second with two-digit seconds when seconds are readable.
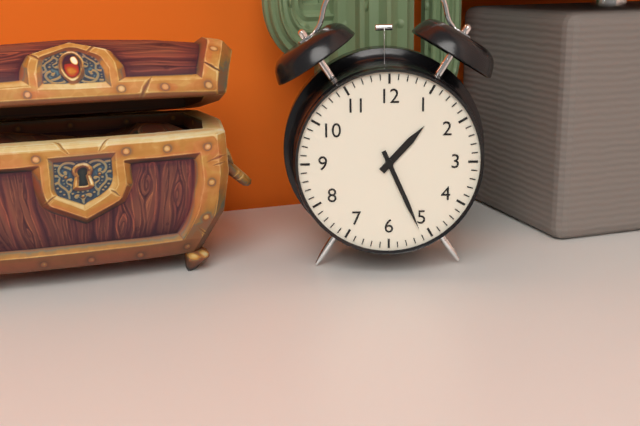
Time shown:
1,26
